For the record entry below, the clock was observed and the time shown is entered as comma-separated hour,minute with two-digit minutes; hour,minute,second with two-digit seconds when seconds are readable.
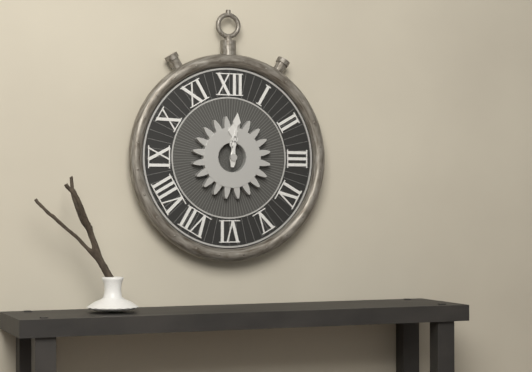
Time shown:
12,01
